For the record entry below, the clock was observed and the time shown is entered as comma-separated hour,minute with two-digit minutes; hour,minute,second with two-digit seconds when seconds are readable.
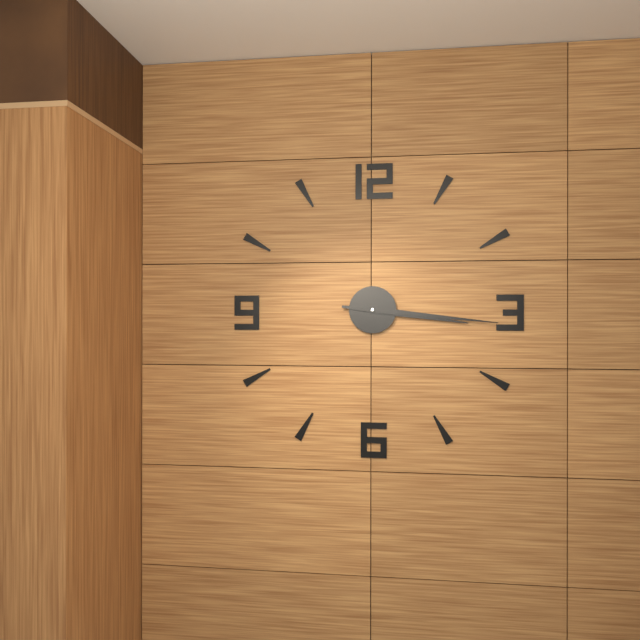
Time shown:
3,16
